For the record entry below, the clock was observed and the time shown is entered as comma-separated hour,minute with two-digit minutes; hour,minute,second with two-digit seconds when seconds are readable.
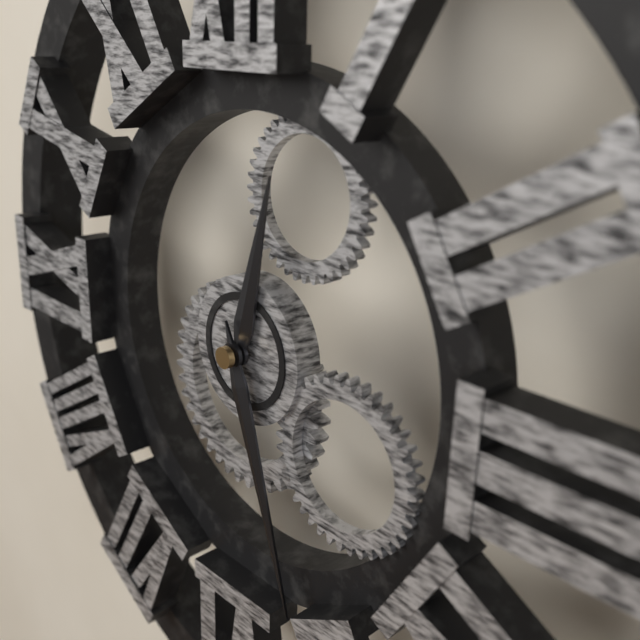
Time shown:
12,27
